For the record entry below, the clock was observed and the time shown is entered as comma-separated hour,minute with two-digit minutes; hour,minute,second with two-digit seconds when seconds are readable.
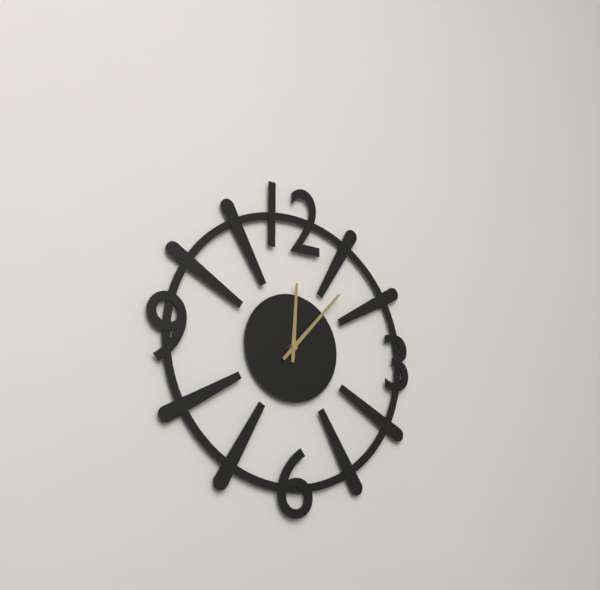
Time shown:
12,07
